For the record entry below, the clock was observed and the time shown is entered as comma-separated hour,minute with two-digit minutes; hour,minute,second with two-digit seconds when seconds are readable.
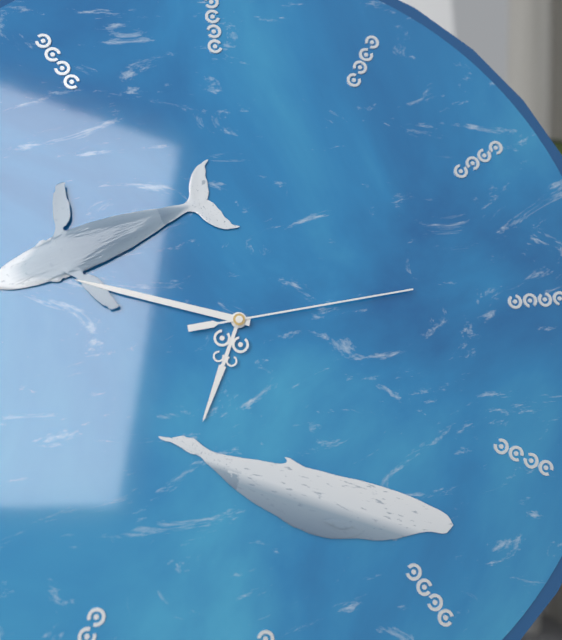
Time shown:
6,48,14
